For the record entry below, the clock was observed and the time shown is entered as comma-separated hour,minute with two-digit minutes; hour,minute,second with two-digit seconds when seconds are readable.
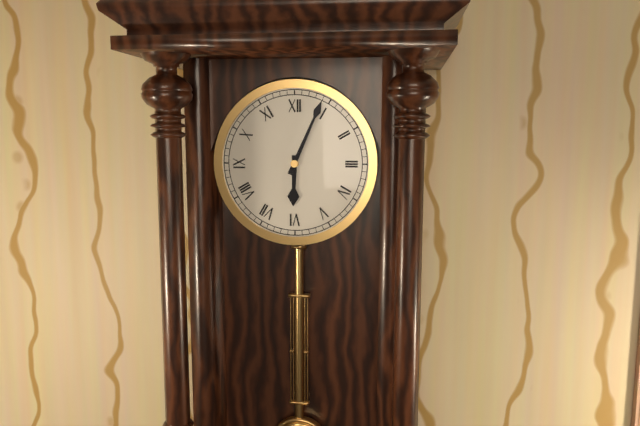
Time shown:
6,04
